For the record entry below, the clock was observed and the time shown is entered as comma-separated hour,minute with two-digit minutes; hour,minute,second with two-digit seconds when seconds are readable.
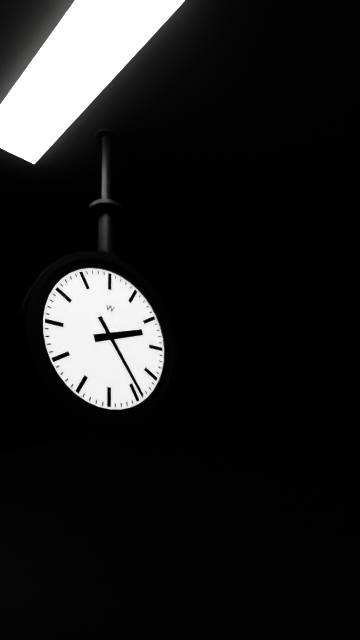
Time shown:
2,24
